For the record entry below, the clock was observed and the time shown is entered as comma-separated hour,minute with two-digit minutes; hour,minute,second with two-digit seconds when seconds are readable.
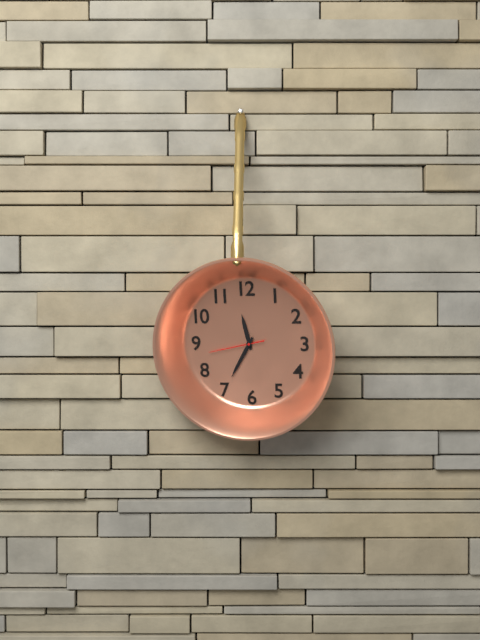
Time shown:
11,35,43
